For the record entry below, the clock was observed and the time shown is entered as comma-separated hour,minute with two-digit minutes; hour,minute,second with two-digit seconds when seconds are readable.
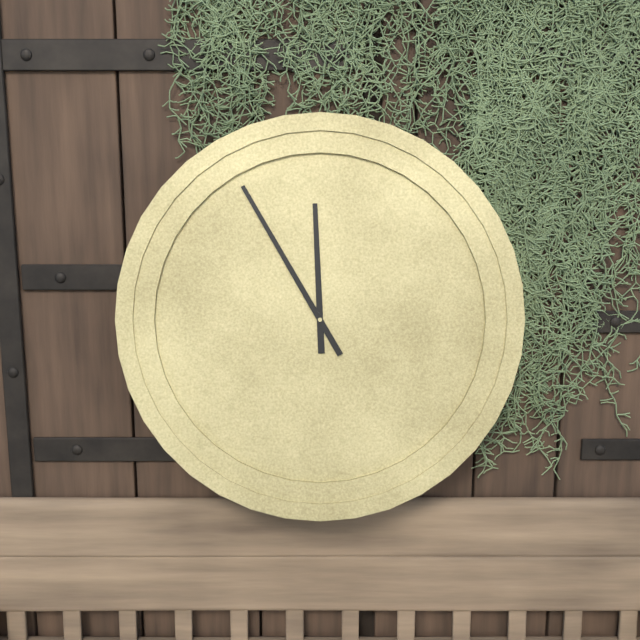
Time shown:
11,55
